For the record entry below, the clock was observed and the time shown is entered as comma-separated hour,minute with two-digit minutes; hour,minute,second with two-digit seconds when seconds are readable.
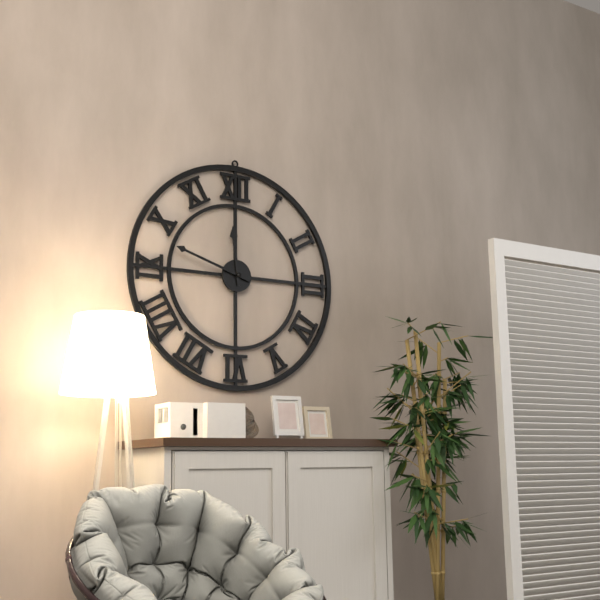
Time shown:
11,48
